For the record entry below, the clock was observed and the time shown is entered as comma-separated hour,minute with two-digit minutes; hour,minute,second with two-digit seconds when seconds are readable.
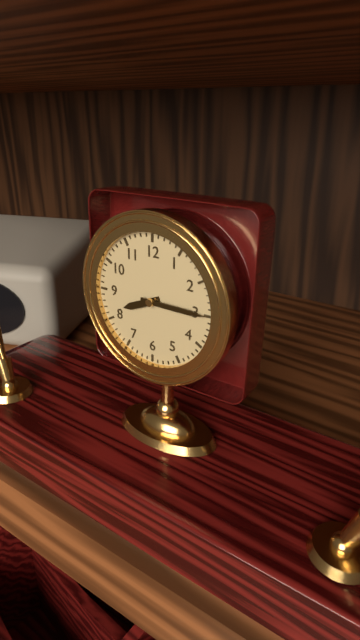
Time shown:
8,15
